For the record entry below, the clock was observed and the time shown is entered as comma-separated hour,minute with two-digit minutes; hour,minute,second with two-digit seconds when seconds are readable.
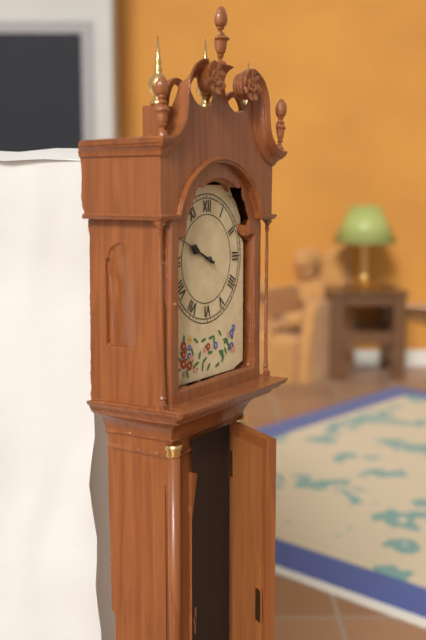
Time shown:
9,49
